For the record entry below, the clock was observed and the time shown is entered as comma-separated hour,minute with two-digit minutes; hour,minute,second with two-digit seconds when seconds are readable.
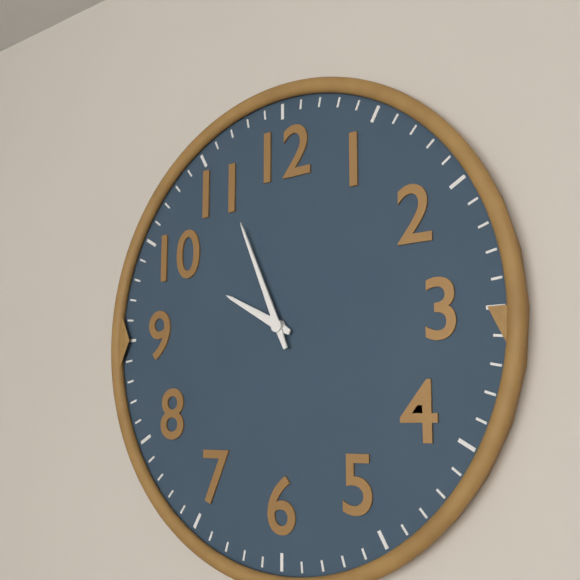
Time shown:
9,56
